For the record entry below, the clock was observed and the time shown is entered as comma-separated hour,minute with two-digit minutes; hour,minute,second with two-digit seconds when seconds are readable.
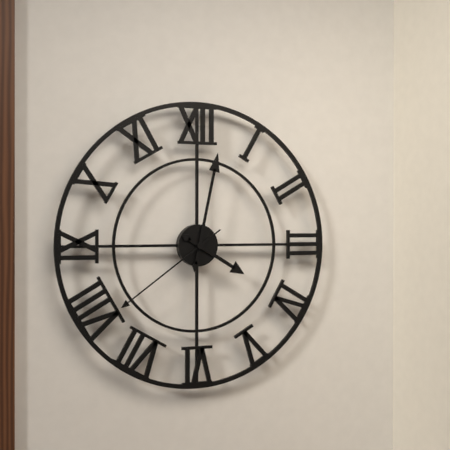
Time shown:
4,02,39
